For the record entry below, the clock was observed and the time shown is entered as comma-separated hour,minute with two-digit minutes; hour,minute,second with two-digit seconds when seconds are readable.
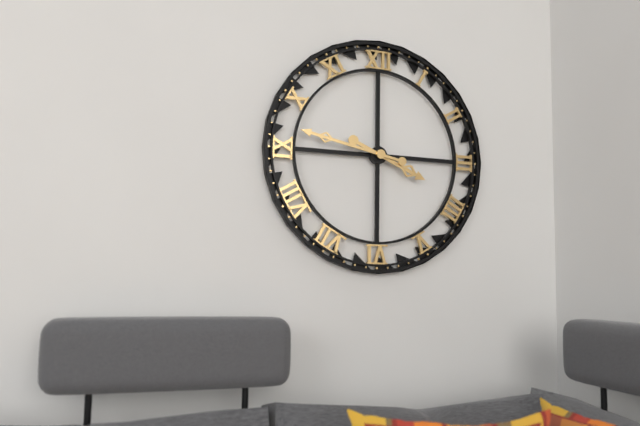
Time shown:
3,47
